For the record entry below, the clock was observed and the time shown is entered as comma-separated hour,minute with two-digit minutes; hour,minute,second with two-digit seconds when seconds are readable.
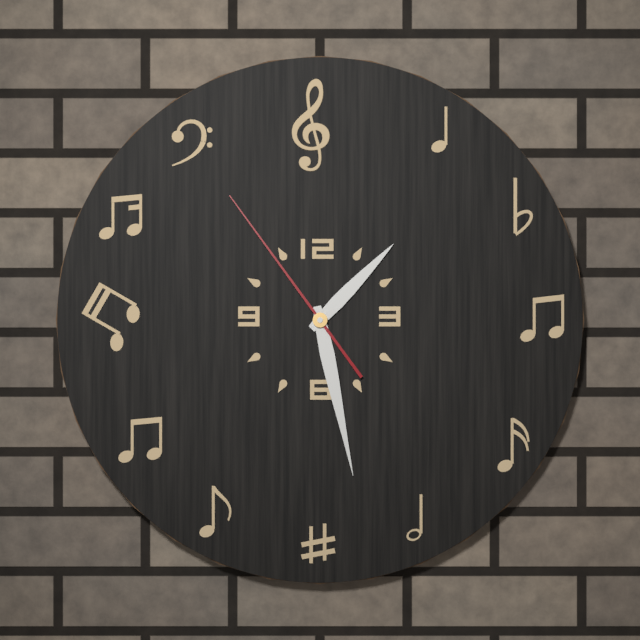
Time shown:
1,28,54
